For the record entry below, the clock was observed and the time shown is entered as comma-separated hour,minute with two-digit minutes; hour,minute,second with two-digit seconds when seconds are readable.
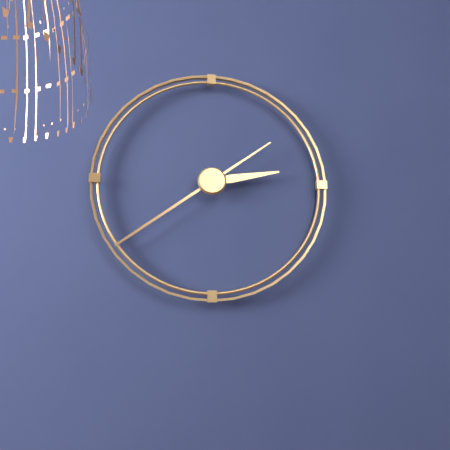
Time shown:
2,39
